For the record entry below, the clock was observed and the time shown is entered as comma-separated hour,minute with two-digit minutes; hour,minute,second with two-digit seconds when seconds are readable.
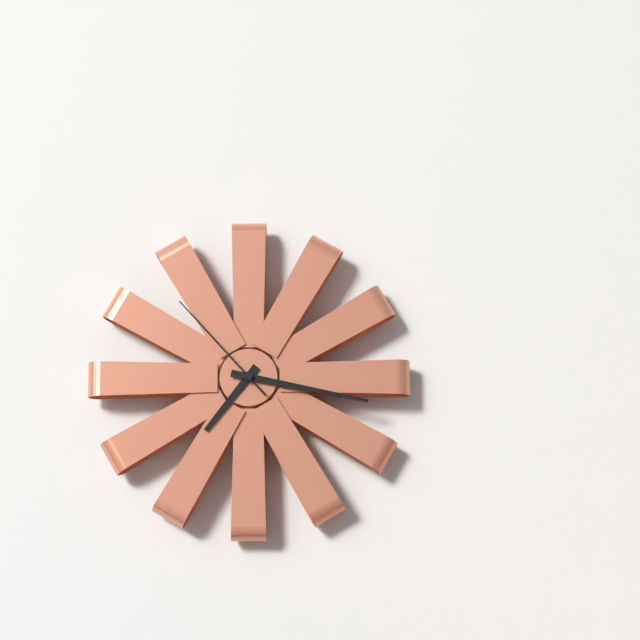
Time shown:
7,17,53
